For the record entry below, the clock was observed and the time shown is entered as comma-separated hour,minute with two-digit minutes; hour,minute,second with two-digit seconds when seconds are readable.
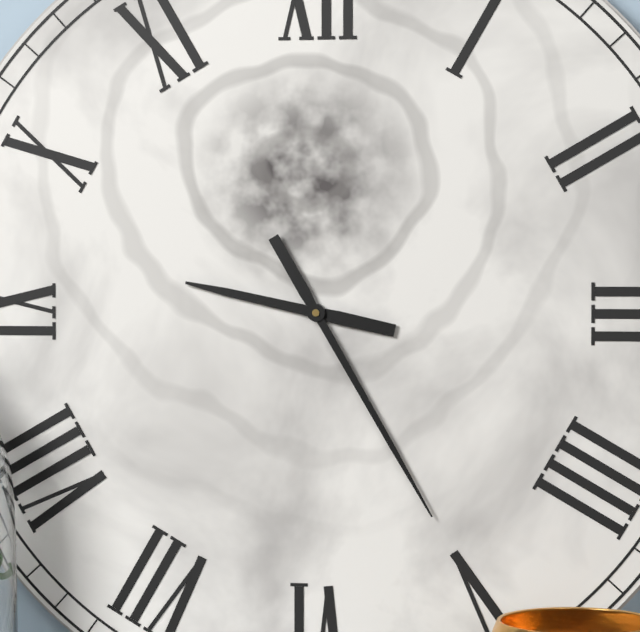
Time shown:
9,25
